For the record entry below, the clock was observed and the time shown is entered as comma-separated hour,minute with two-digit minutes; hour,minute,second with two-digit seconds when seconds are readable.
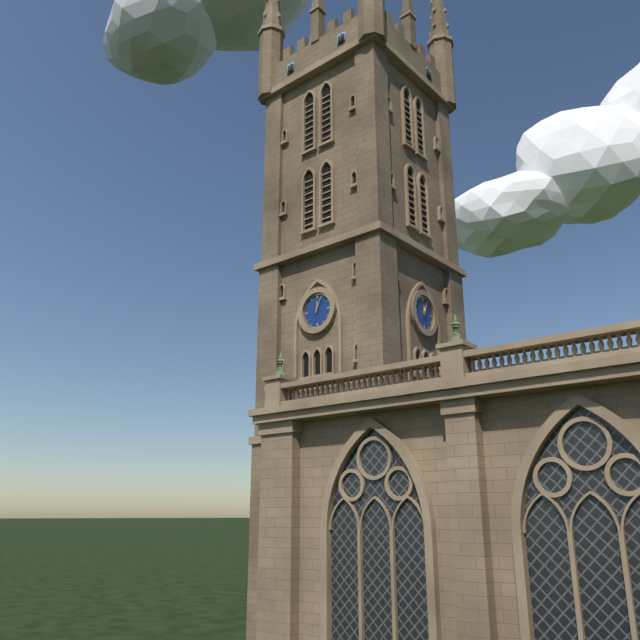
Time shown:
12,04
